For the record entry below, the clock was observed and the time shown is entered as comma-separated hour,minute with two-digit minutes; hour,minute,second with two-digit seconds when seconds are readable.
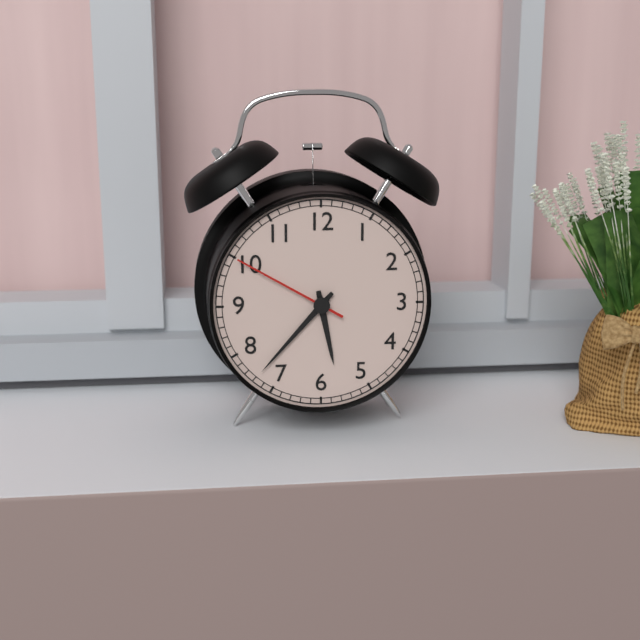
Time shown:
5,37,50
